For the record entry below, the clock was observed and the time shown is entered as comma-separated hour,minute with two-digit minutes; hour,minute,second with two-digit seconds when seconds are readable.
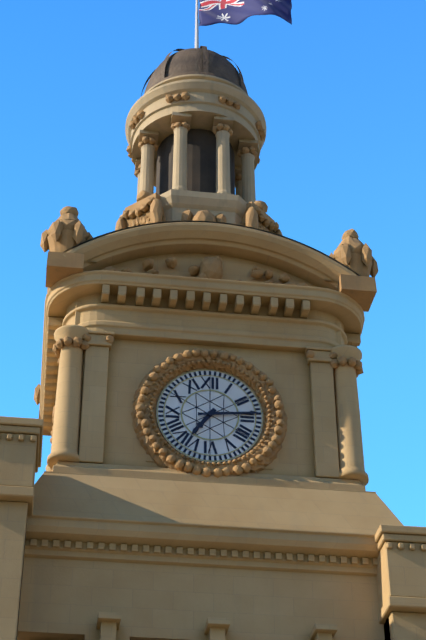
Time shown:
7,14
